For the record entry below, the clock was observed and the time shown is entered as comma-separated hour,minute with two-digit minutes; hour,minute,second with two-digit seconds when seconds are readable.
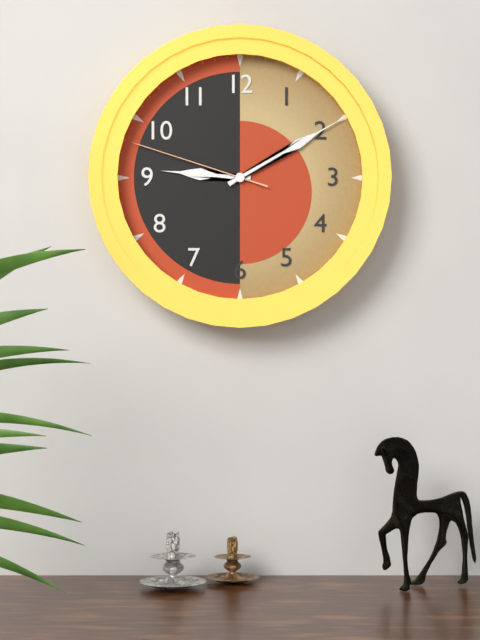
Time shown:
9,10,48
